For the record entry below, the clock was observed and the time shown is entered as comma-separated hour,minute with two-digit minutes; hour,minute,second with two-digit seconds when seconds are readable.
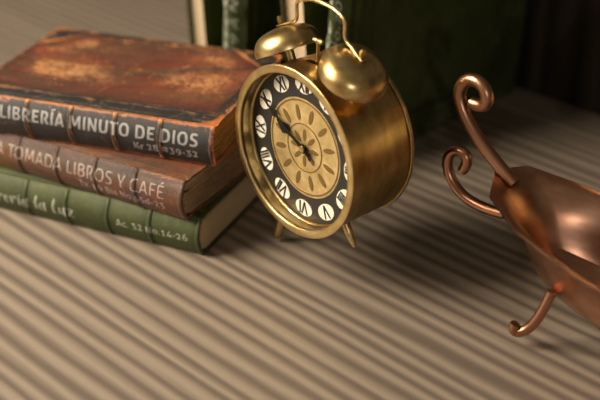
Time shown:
9,50
